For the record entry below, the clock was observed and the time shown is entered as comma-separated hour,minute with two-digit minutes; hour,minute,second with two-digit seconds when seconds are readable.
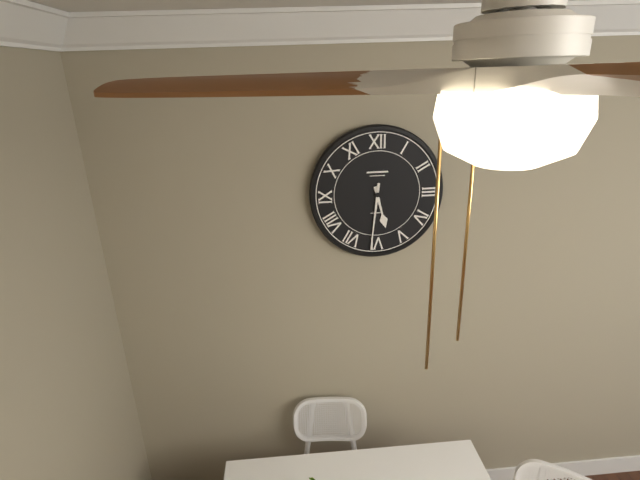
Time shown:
5,31
